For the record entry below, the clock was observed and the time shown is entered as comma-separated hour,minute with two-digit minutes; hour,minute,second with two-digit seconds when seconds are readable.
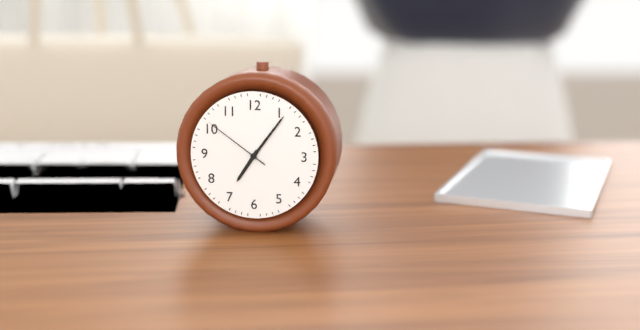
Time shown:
7,06,51
